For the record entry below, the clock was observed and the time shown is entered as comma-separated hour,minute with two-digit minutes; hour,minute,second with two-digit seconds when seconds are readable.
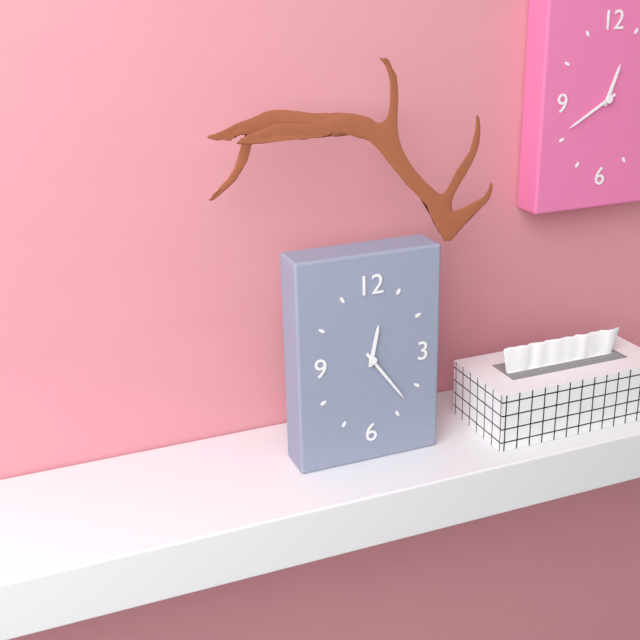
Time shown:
12,24
